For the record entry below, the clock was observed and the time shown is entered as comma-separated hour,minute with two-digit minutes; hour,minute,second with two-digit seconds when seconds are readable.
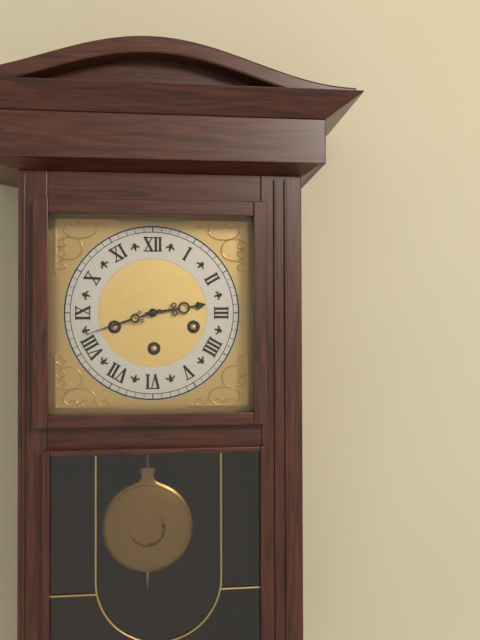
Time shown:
2,42
